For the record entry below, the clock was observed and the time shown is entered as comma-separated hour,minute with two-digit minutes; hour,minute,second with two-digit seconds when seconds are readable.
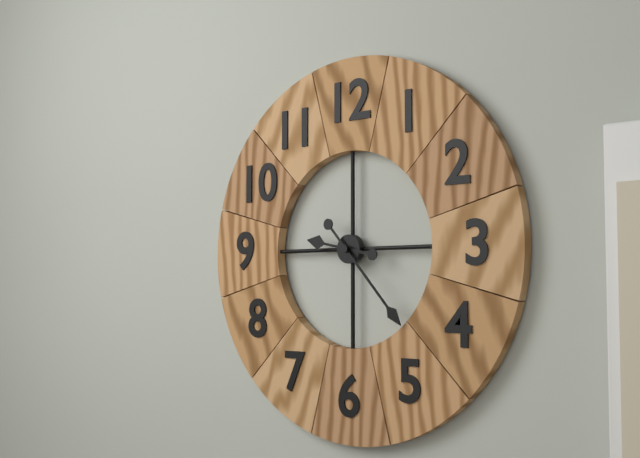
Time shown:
9,23
